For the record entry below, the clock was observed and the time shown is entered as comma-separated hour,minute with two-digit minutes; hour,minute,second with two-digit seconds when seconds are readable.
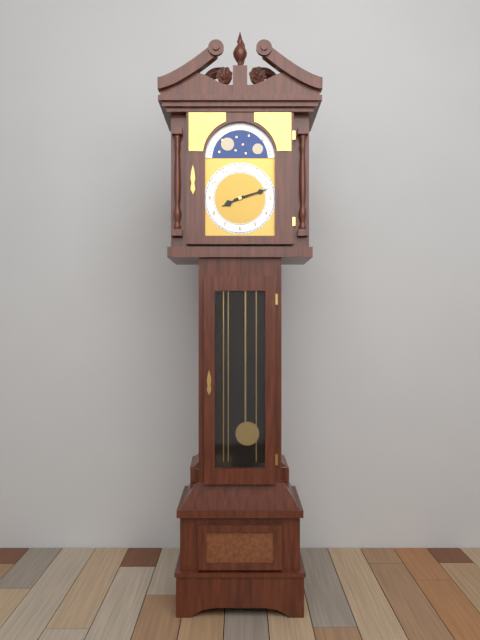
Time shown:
8,12
